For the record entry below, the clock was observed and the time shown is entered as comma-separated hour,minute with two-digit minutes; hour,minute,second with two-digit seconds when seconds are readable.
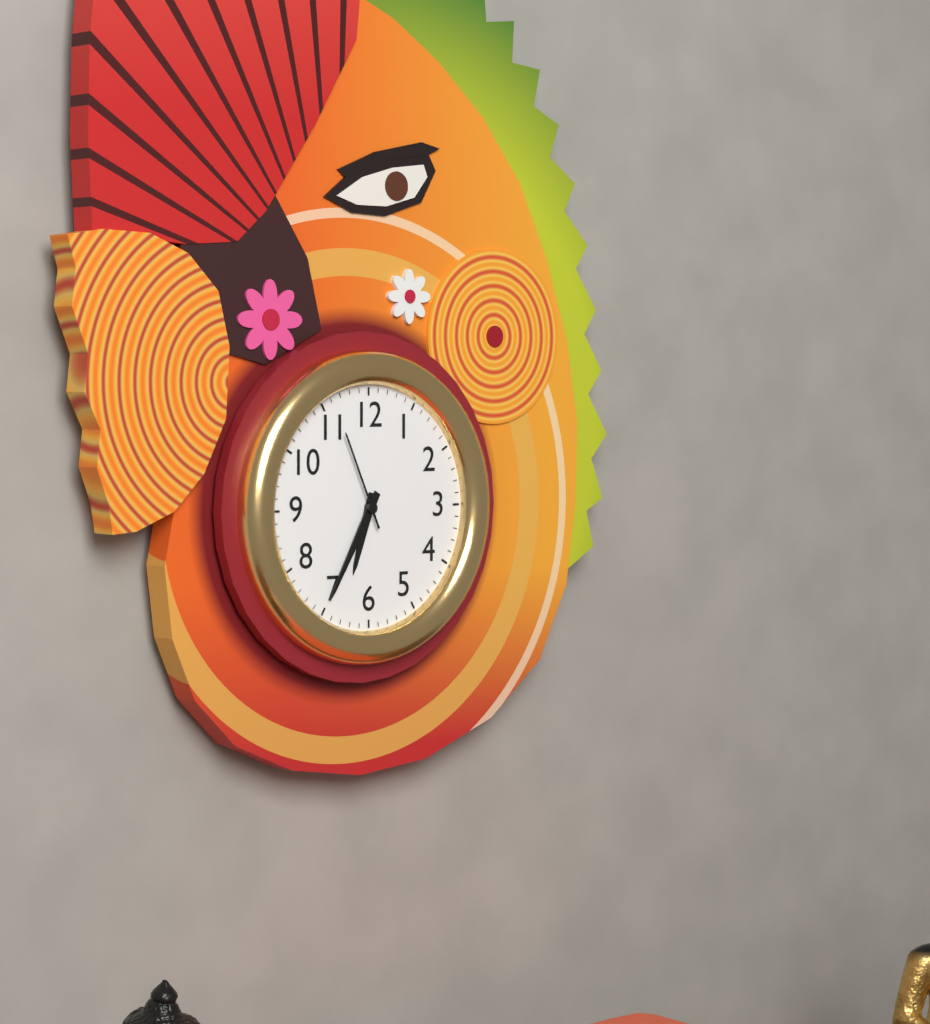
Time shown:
6,35,56
